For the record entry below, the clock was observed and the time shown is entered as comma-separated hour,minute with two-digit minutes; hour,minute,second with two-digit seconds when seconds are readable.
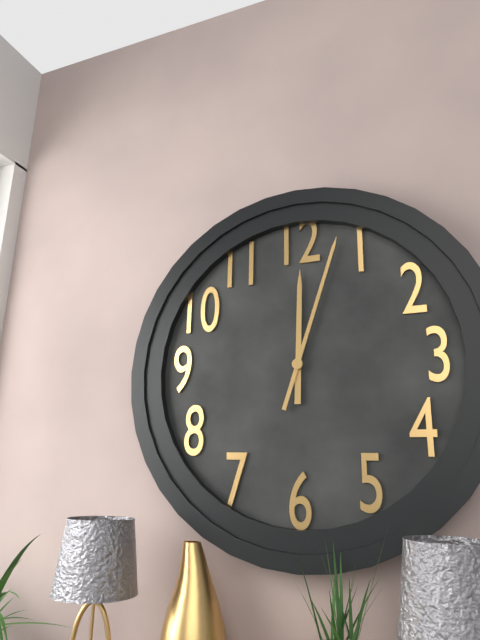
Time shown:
12,03
